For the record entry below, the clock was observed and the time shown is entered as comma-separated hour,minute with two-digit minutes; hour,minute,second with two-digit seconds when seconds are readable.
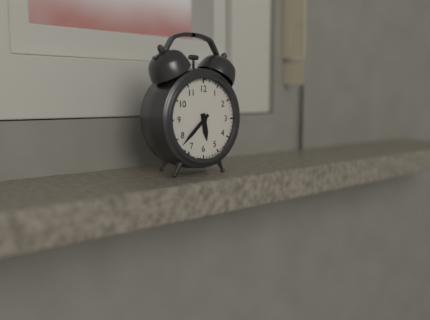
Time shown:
5,38
